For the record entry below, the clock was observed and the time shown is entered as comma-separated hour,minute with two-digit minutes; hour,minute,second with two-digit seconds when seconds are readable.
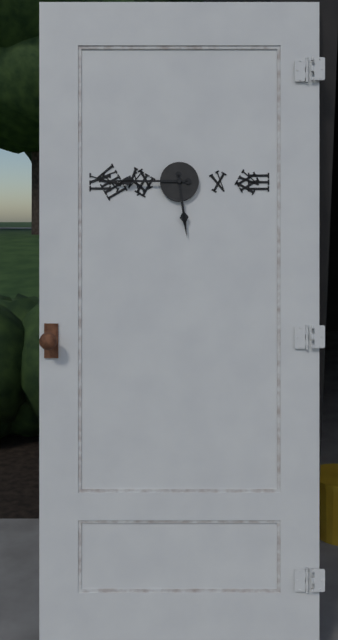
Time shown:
5,45
